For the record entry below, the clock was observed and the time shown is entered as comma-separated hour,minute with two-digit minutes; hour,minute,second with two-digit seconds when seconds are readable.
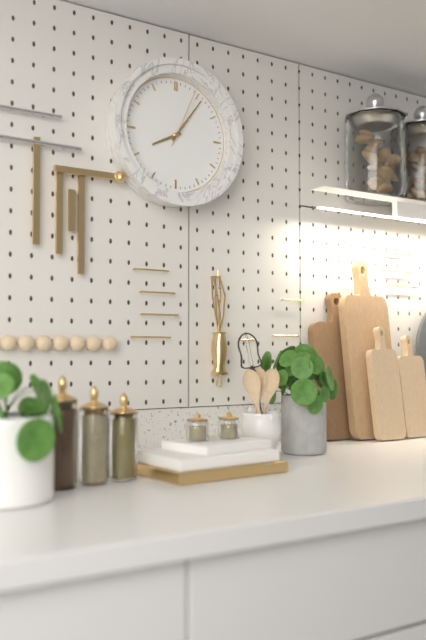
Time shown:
8,06,04
